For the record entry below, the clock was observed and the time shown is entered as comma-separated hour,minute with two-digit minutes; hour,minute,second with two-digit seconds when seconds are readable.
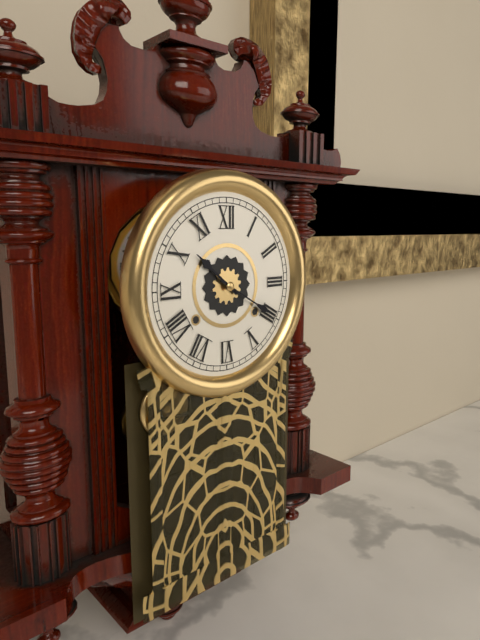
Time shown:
10,20
